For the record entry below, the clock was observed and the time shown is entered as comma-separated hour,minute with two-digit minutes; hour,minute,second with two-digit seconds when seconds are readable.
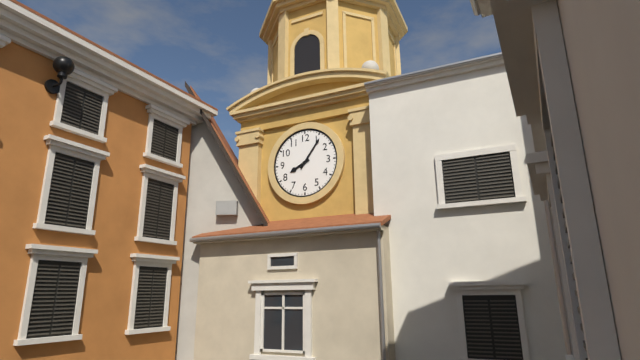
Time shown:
8,06
